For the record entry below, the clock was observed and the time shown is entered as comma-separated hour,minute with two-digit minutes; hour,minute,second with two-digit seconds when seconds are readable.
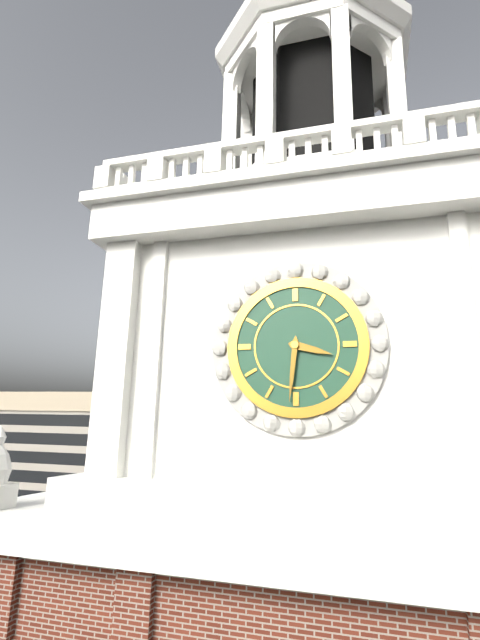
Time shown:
3,31
